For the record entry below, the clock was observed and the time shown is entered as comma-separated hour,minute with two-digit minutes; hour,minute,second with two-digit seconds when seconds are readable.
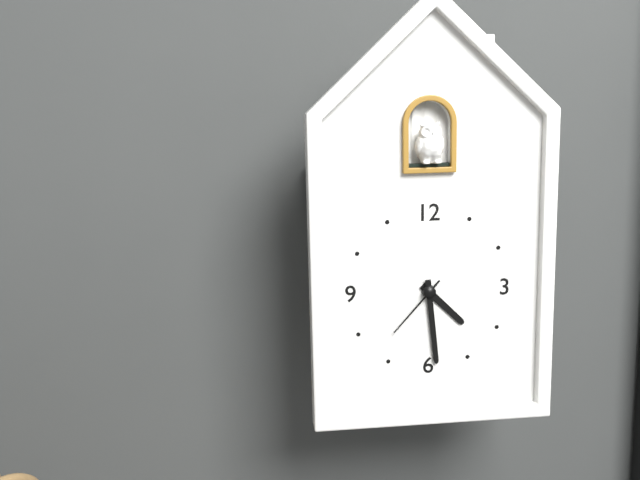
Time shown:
4,29,37
